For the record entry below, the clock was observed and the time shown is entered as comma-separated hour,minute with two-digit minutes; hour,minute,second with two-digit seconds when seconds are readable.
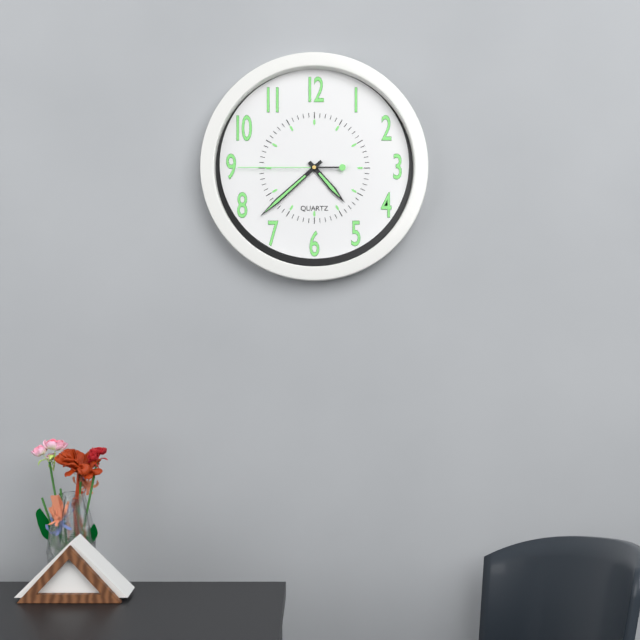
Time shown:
4,38,45
